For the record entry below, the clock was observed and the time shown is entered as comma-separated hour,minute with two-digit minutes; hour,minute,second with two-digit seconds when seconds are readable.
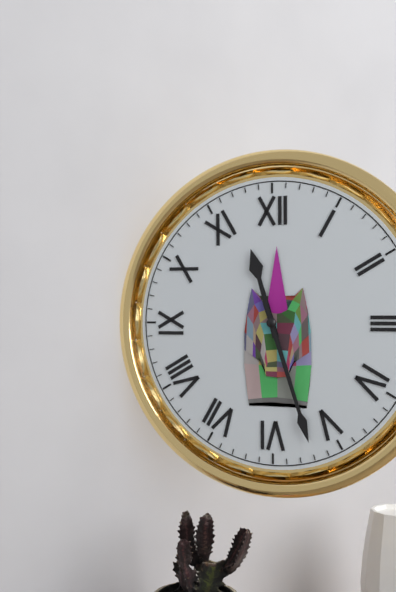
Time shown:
11,27
